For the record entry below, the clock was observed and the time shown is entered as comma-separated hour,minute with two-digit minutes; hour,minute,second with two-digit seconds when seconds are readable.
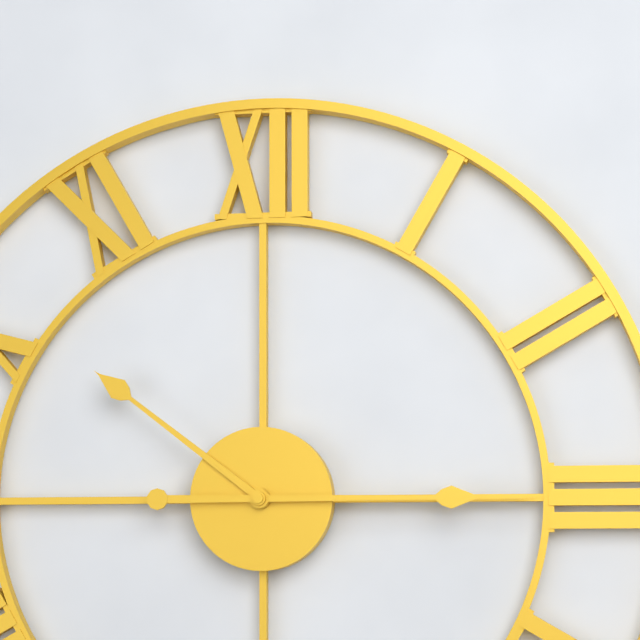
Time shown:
10,15
